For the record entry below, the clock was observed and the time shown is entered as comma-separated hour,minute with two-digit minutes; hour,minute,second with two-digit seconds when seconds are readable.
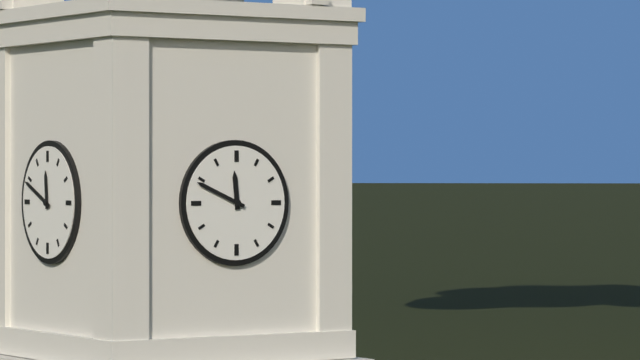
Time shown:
11,49
